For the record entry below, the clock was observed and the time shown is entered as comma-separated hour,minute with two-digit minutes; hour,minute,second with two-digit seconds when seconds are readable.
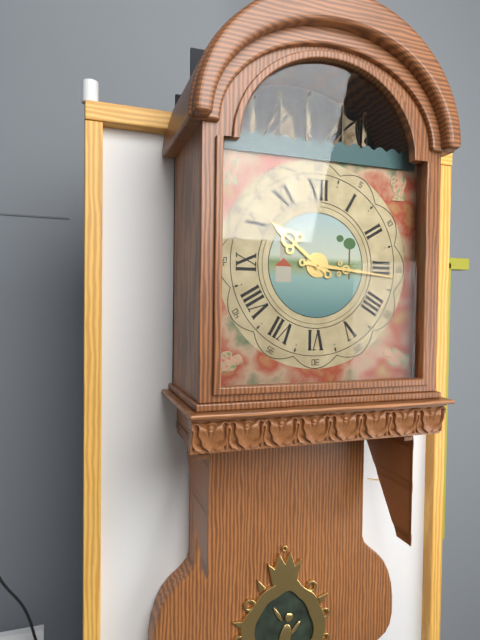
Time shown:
10,16
